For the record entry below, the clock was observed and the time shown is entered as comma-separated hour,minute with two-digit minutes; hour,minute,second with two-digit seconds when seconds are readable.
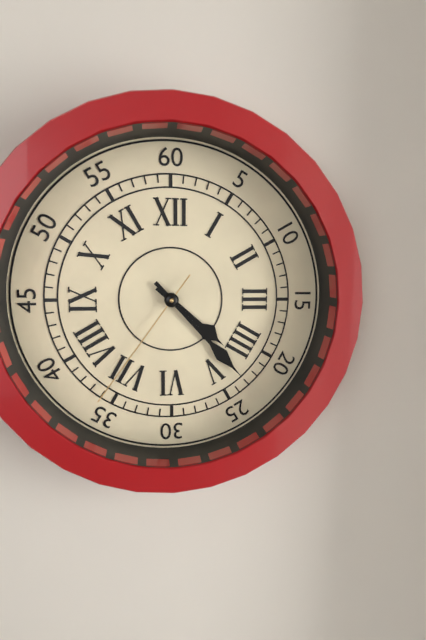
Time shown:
4,23,36
